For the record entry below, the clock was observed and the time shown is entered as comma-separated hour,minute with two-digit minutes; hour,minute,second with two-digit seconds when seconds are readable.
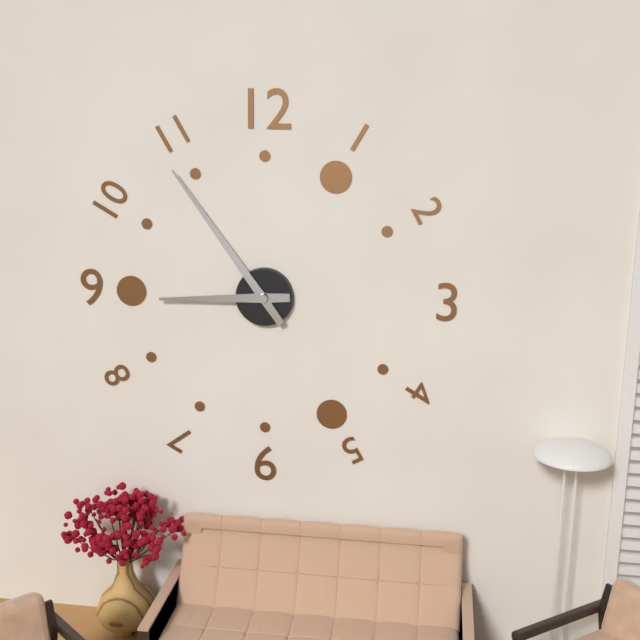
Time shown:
8,54
